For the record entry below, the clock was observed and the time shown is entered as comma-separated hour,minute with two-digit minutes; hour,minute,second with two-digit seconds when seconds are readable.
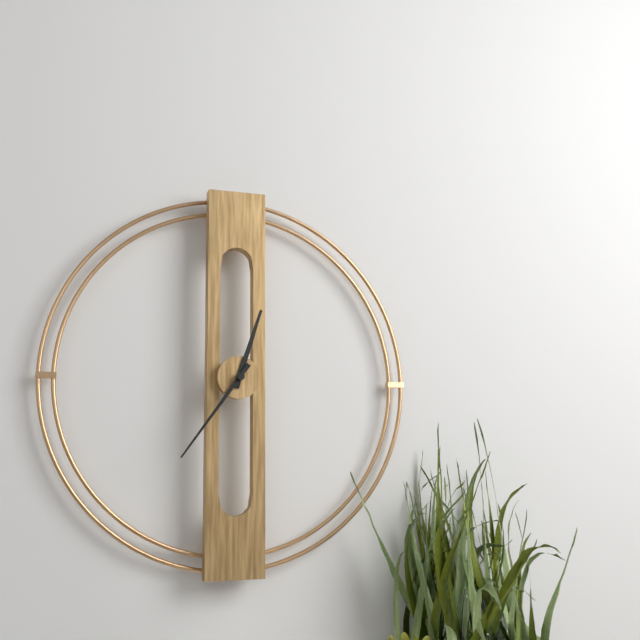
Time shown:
12,36
